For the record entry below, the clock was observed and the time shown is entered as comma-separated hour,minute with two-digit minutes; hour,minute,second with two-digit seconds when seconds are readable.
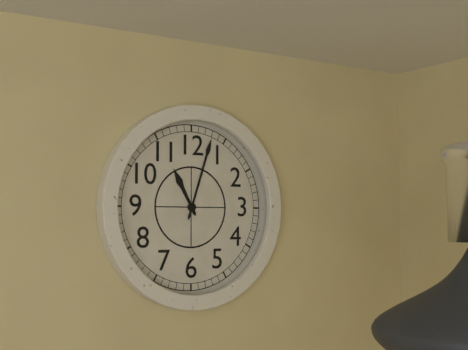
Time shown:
11,03
